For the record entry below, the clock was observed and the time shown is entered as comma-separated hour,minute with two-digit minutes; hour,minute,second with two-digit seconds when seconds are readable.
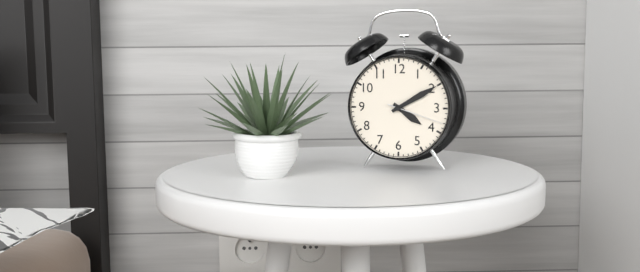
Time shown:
4,10,18
